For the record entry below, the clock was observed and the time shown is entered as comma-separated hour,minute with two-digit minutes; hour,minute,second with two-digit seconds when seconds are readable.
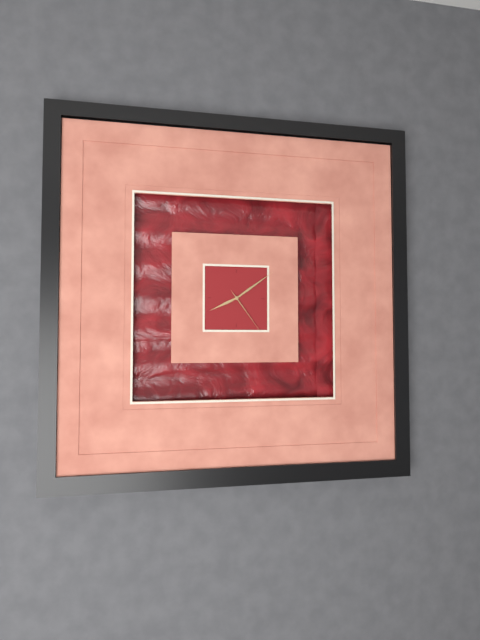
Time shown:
8,09,24
